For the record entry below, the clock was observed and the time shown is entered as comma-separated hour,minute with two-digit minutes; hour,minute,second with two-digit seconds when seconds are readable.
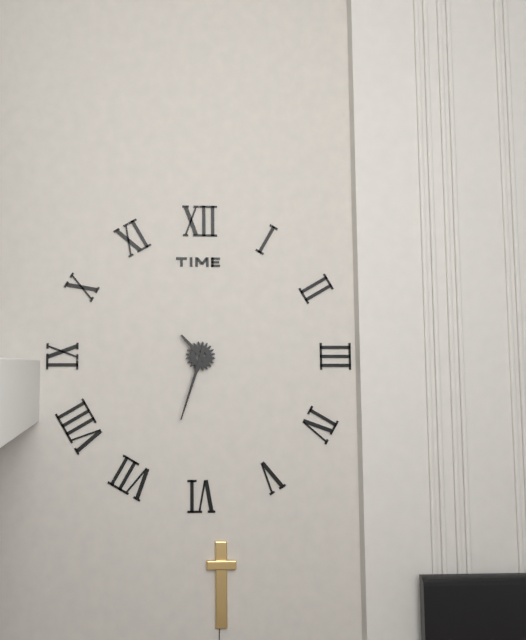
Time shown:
10,33
